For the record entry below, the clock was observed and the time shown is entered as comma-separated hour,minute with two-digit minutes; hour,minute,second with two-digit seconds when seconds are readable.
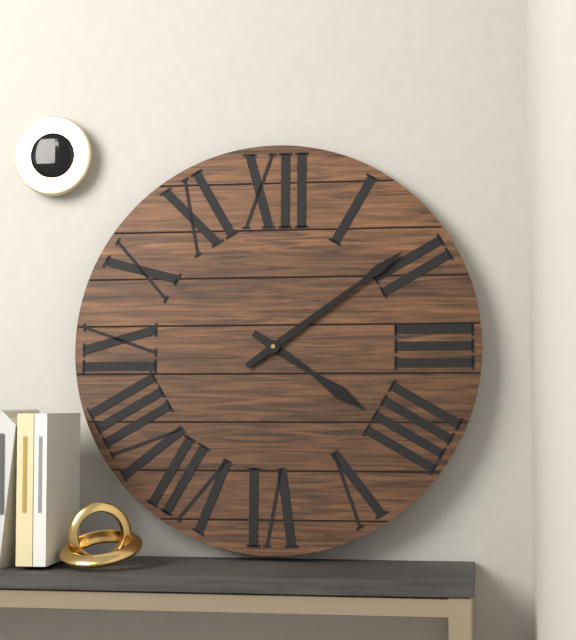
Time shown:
4,09
